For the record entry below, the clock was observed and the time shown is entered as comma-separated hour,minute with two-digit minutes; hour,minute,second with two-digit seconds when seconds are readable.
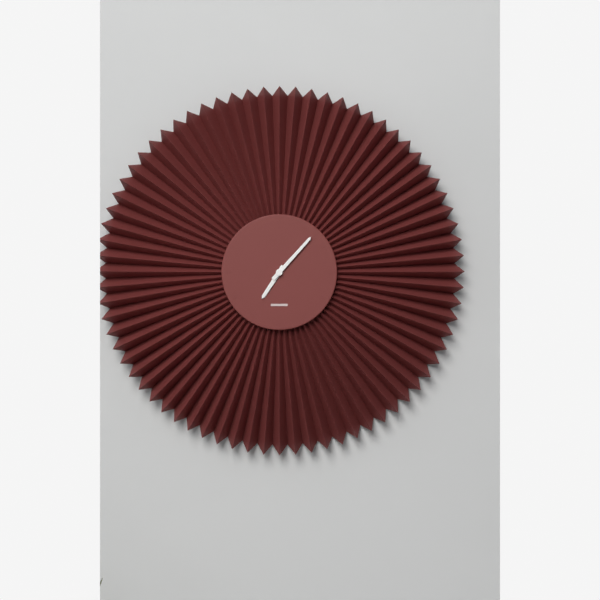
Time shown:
7,07
